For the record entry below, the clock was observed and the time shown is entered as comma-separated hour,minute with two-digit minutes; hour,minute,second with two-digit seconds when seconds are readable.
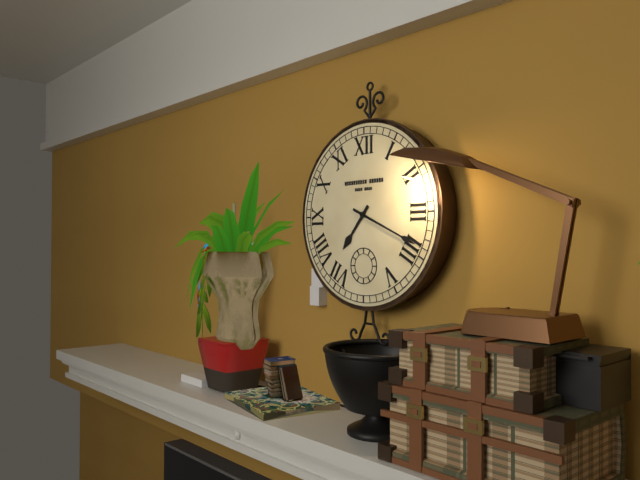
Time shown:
7,19
